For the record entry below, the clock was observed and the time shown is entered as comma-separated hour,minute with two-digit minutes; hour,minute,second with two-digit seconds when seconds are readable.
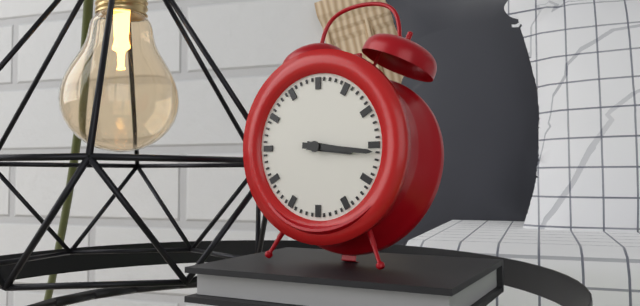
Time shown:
3,16
